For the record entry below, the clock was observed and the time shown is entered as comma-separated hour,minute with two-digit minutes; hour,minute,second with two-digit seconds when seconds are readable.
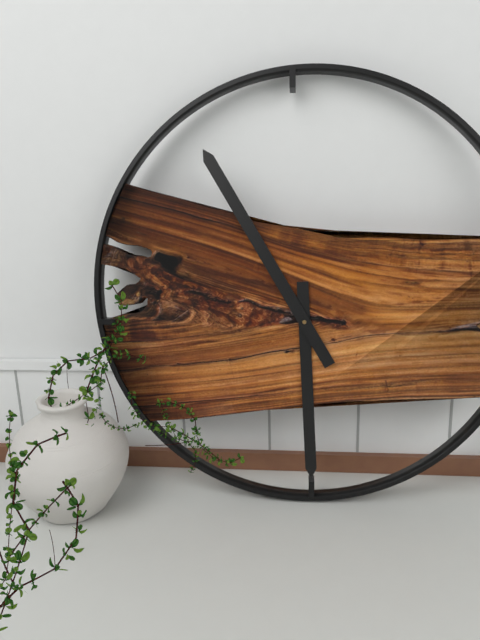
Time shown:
5,55
